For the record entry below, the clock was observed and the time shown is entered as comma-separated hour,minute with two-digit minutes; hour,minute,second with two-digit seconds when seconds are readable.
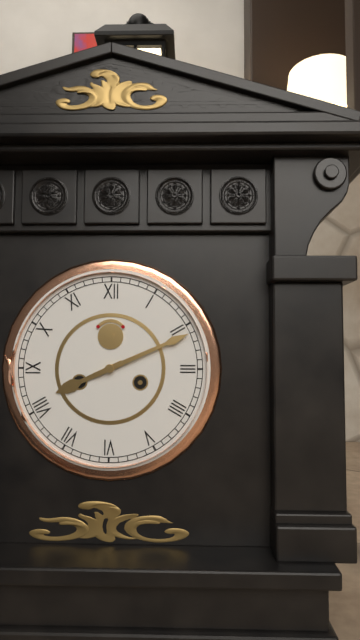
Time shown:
8,11
